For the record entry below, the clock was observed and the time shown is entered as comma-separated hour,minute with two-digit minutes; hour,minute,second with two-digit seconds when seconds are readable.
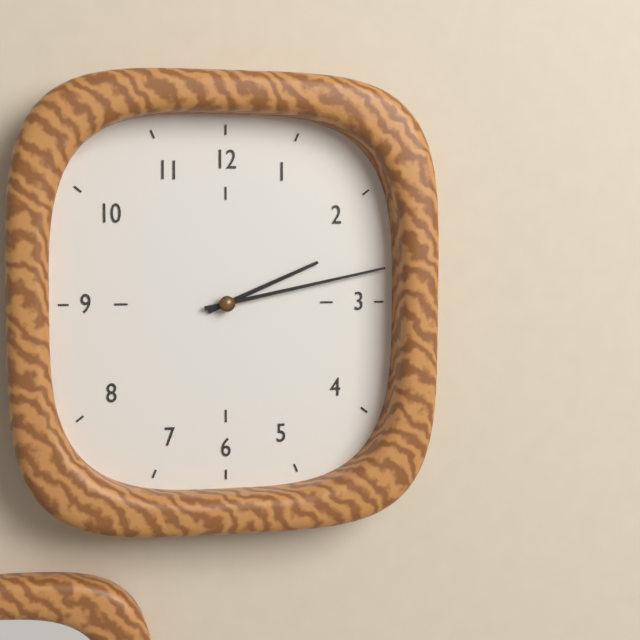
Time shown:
2,13
